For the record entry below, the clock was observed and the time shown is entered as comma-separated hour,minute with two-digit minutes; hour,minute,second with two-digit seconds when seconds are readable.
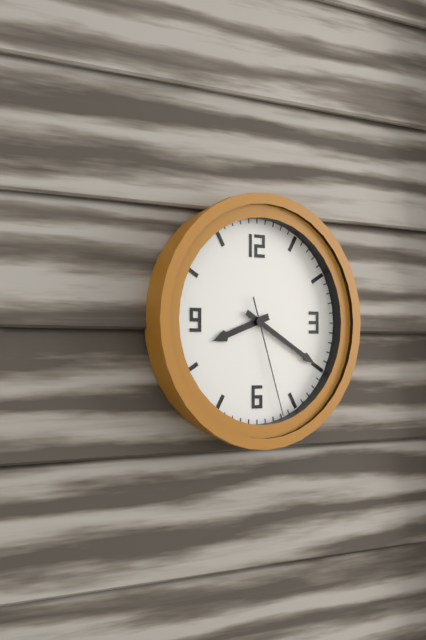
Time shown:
8,20,27
